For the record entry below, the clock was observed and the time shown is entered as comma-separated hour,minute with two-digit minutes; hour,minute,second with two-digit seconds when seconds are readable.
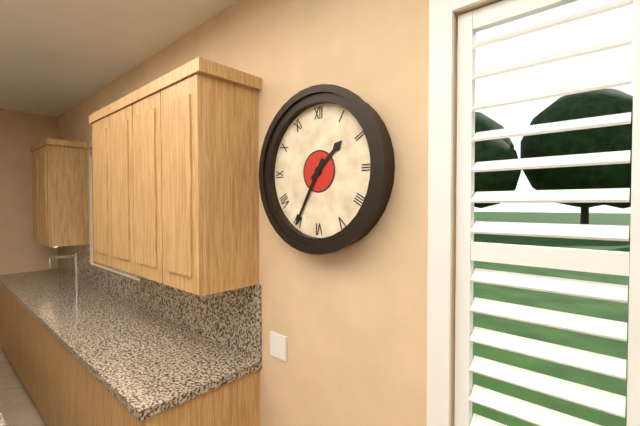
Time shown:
1,35
